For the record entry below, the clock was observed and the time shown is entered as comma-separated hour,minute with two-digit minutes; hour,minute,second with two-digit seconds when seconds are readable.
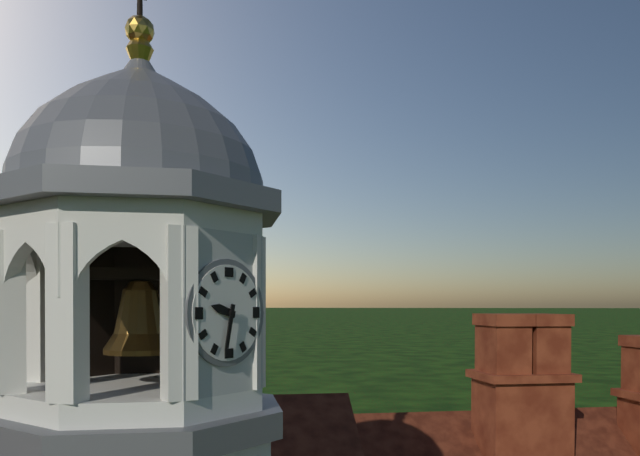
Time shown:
9,32
